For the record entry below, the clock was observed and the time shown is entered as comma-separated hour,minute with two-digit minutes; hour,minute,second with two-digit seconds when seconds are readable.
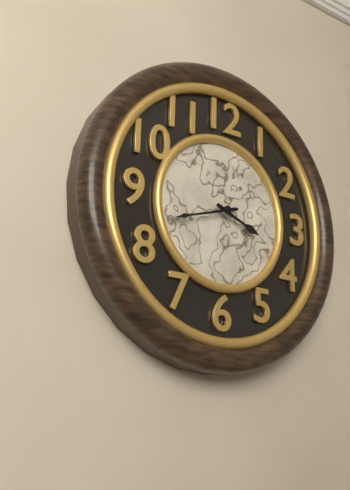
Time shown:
3,42
